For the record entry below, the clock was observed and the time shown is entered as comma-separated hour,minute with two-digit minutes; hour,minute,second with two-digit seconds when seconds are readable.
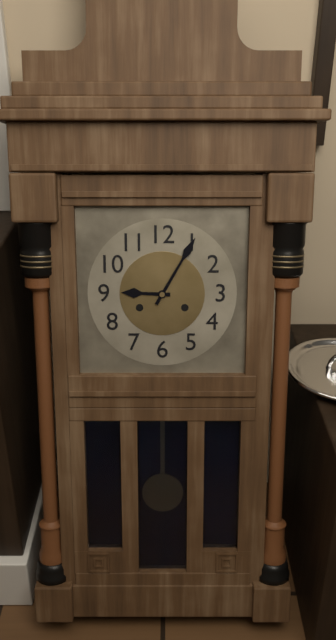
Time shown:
9,05
